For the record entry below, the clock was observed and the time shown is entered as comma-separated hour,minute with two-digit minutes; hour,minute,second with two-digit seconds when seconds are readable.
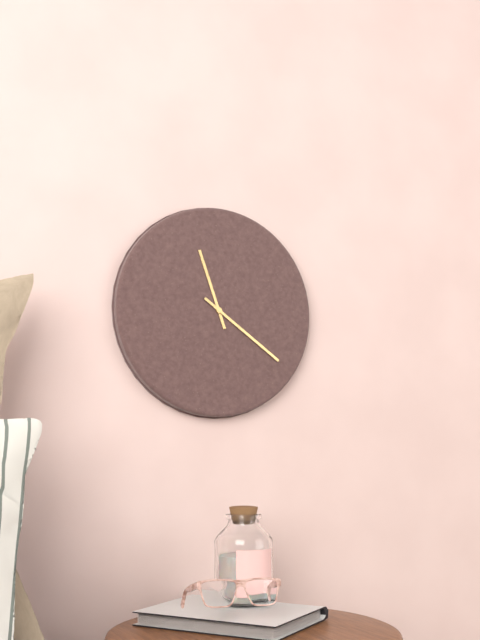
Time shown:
11,21
